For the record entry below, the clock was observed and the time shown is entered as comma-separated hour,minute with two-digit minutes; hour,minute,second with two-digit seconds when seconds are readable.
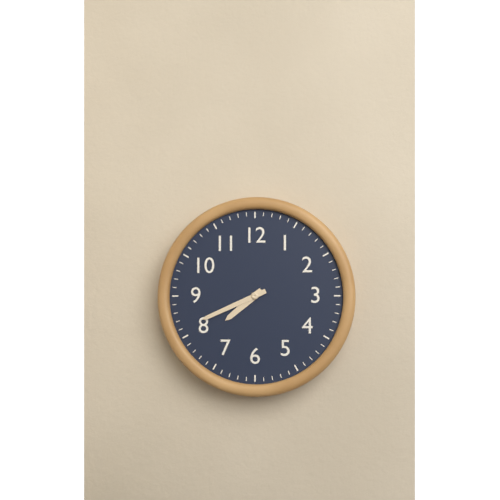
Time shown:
7,41
